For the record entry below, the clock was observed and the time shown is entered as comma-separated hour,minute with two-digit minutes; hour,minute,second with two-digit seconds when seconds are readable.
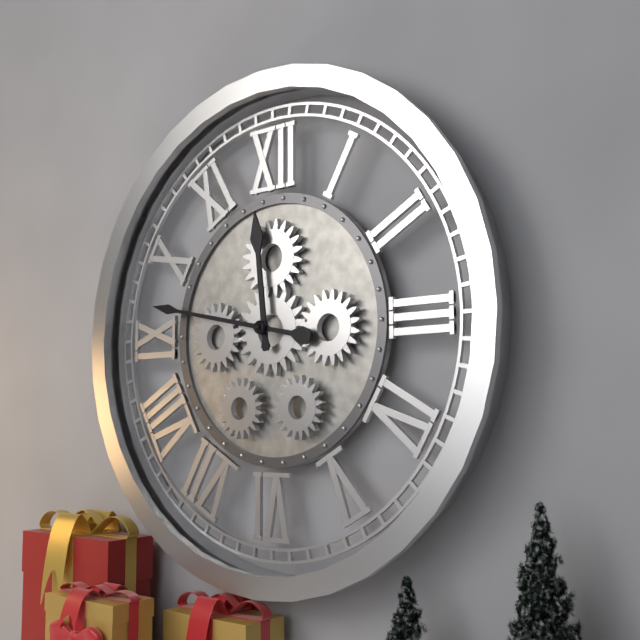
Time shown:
11,47
